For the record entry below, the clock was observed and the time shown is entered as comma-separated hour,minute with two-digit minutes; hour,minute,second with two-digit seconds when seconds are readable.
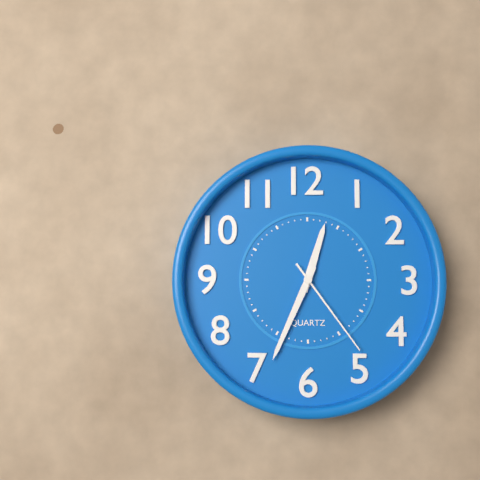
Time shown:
12,34,24
